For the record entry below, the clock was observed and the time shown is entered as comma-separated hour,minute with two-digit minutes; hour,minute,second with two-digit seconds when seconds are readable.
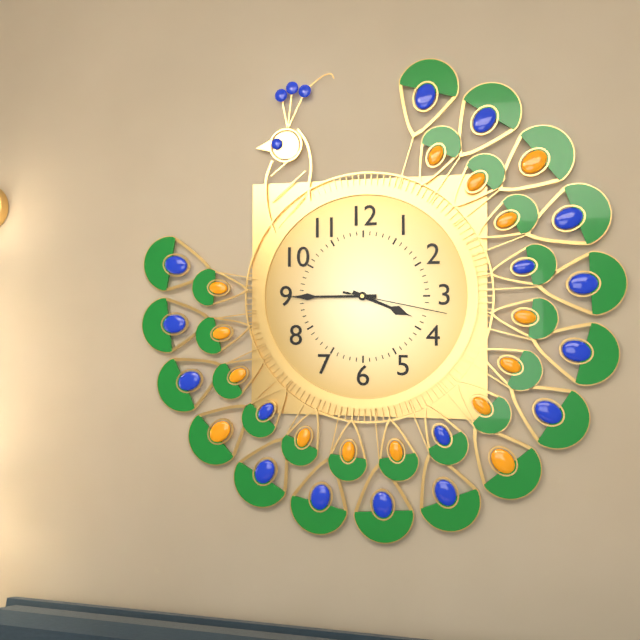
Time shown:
3,45,17
